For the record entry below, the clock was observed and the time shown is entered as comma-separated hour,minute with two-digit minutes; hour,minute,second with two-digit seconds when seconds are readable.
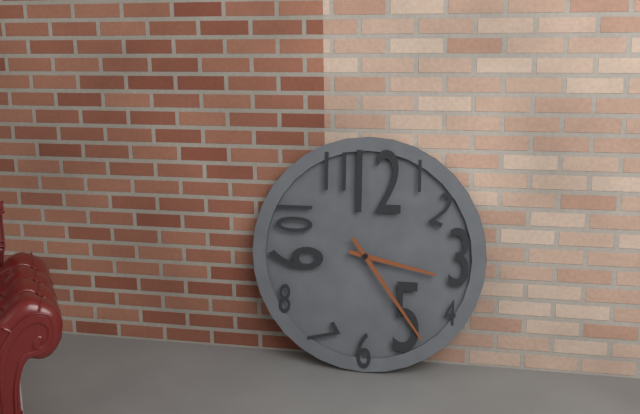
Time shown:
3,24
